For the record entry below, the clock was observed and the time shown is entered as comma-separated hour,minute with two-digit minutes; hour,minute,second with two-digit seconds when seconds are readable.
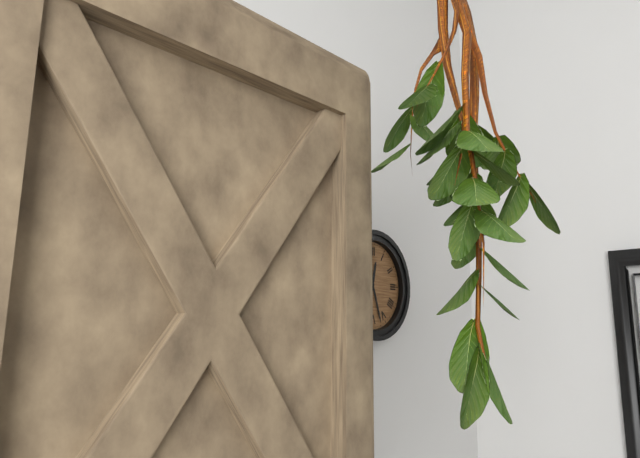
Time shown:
12,27
